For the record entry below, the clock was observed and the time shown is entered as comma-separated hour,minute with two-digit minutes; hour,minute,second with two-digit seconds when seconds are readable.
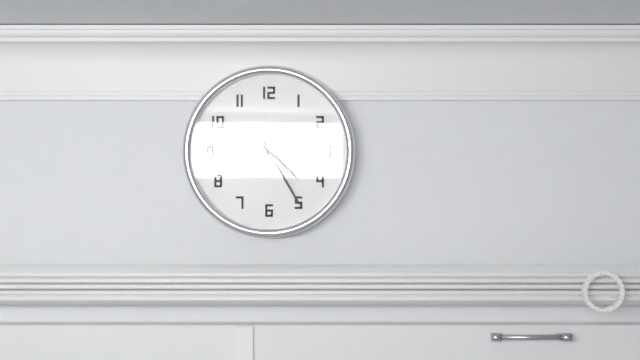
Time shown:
4,25
